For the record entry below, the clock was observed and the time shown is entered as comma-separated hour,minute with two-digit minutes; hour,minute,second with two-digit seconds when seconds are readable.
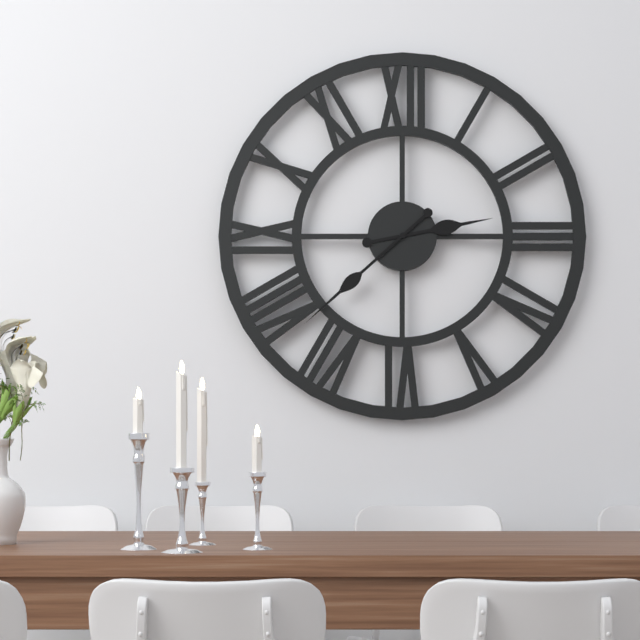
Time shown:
2,38
